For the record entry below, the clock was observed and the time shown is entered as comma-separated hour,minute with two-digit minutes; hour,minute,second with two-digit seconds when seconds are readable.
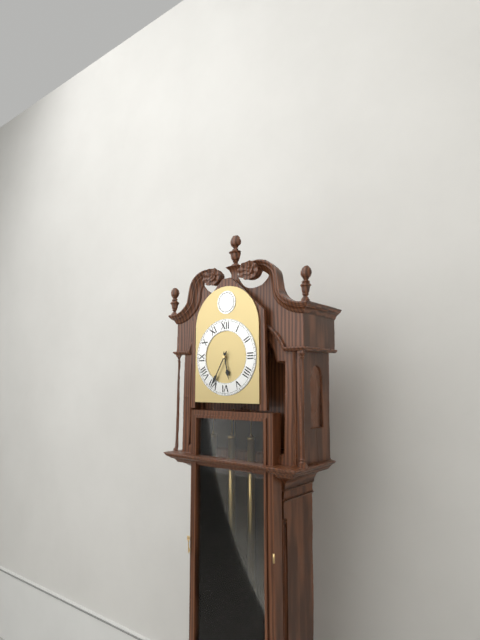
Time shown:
5,35
